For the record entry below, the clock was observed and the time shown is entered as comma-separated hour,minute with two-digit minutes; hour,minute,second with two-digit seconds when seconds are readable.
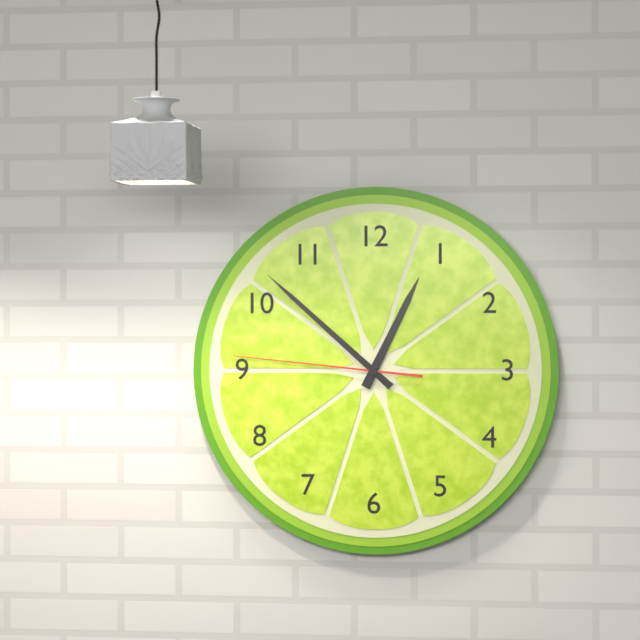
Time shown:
12,52,46
